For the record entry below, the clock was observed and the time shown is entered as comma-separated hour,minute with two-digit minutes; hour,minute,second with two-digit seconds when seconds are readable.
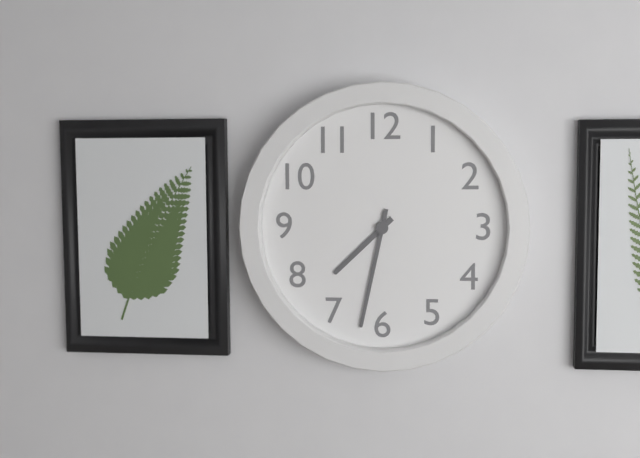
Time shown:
7,32
